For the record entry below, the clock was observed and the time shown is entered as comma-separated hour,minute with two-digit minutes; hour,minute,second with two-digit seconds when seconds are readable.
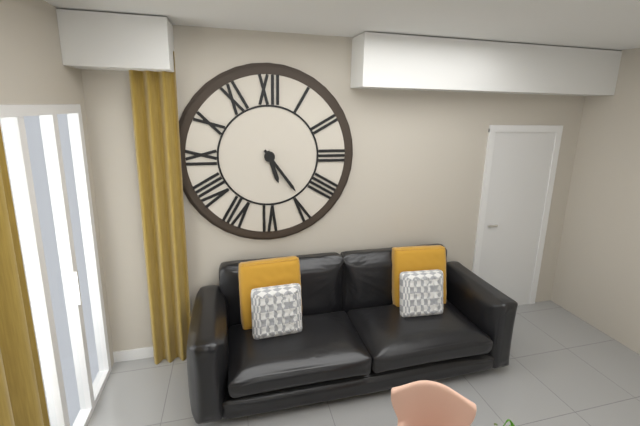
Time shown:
5,24
